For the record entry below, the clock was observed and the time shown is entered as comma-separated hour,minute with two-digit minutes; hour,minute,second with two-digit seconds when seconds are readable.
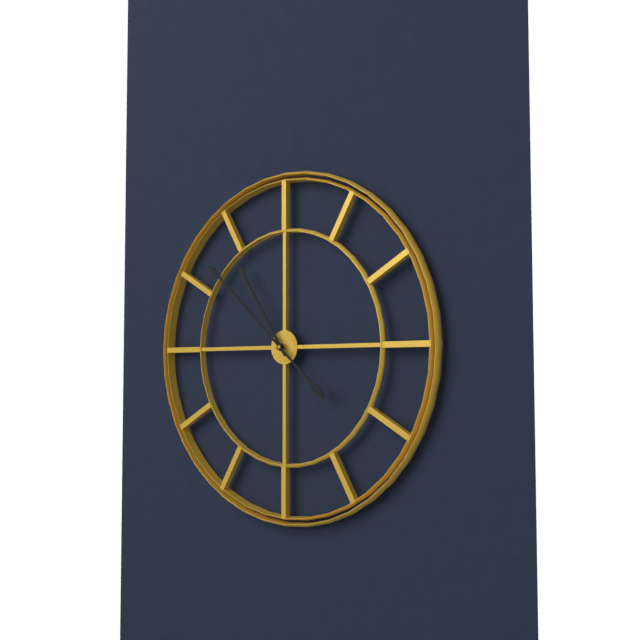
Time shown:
10,52
